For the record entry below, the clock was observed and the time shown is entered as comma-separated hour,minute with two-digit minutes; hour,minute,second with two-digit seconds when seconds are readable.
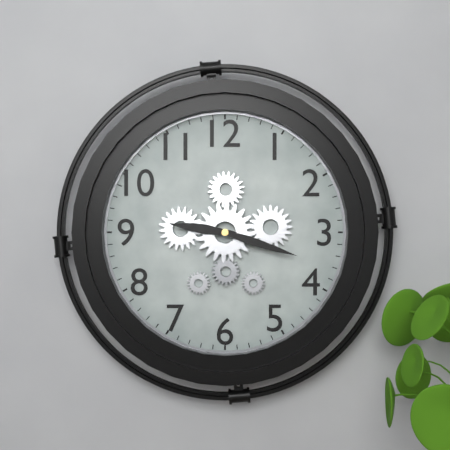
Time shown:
9,18
